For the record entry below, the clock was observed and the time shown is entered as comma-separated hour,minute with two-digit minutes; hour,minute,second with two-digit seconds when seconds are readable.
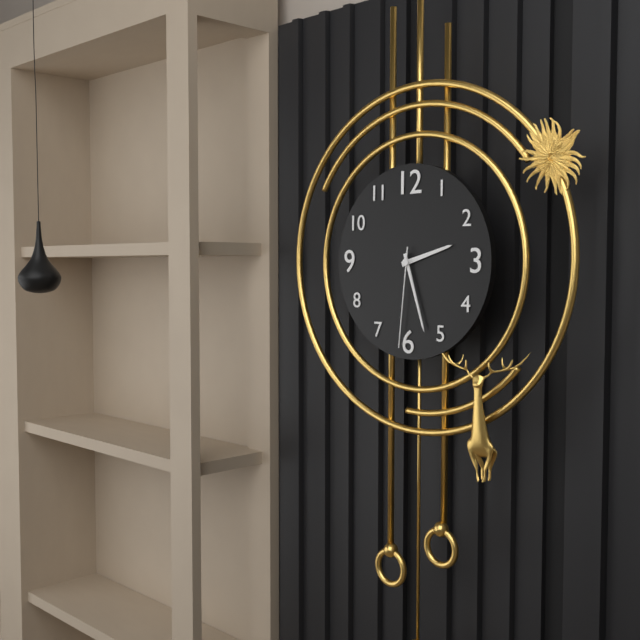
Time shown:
2,27,31
